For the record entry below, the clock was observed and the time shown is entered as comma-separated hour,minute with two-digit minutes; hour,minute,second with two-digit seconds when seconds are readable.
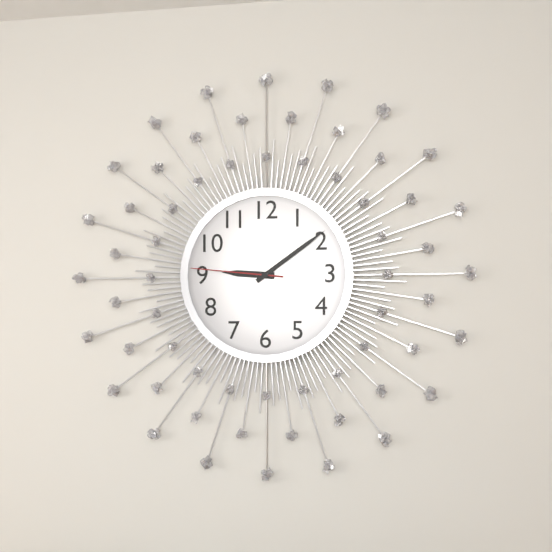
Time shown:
9,09,46
